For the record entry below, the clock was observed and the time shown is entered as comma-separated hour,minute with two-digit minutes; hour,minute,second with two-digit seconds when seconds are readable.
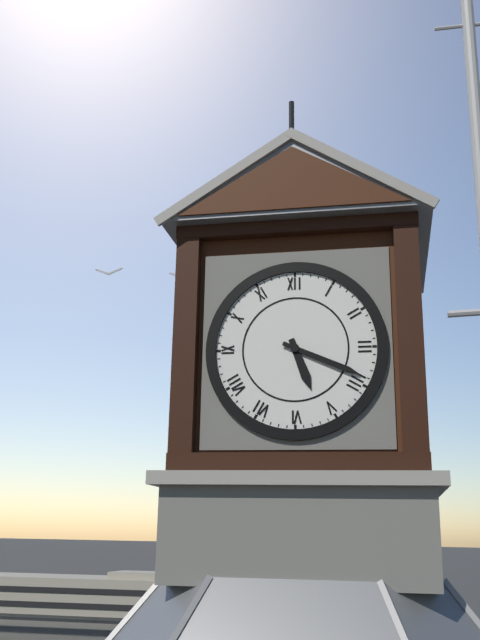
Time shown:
5,19
